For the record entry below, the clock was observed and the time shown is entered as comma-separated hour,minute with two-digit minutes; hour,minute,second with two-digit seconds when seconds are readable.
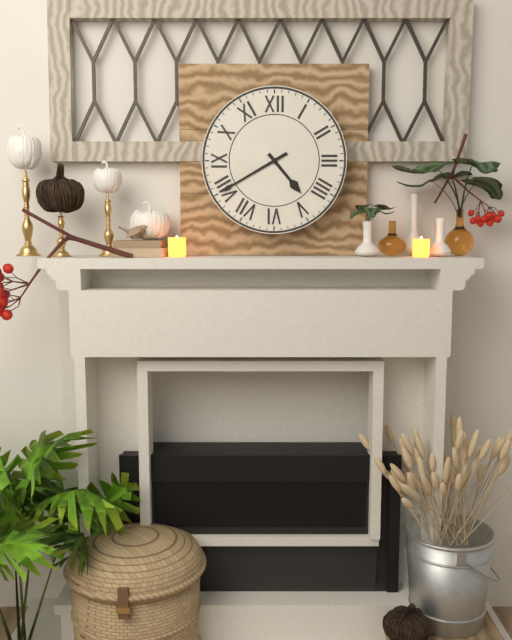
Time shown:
4,40
